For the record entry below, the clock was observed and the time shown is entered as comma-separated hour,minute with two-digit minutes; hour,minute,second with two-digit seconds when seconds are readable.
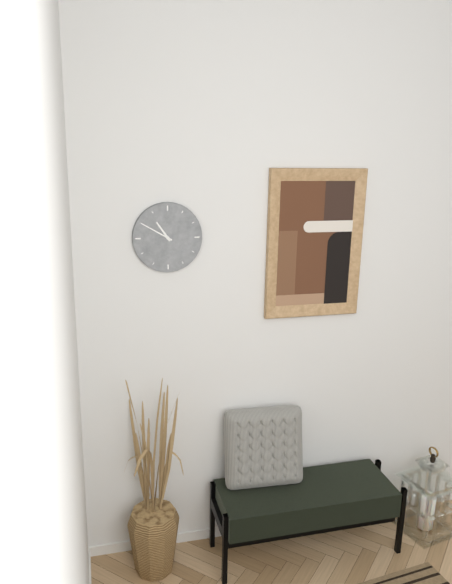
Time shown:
10,50
